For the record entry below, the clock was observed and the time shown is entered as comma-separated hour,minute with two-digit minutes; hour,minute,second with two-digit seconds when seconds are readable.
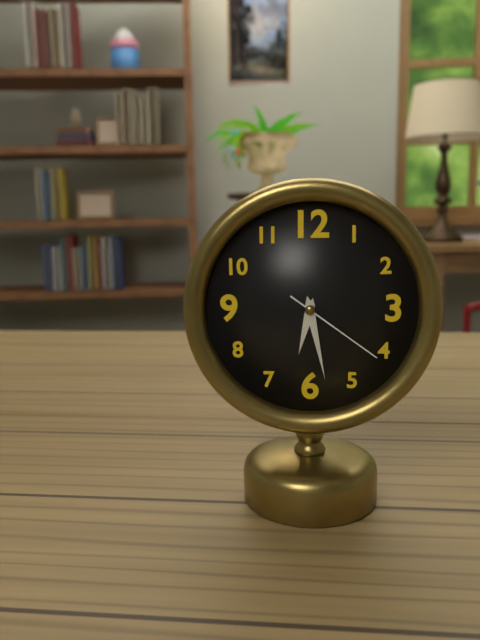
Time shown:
6,28,21
